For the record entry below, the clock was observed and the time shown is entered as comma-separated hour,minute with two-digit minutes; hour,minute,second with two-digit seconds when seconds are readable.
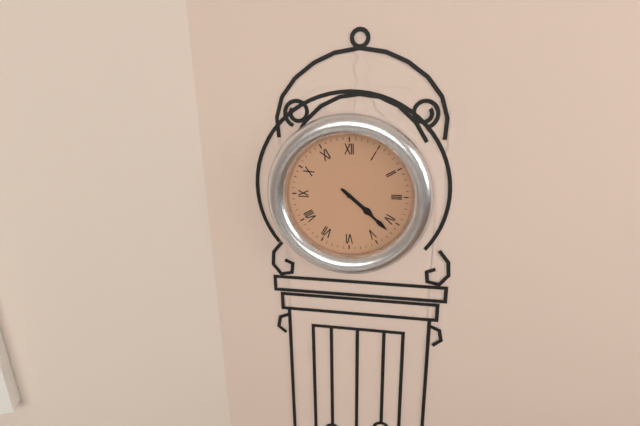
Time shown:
4,22
